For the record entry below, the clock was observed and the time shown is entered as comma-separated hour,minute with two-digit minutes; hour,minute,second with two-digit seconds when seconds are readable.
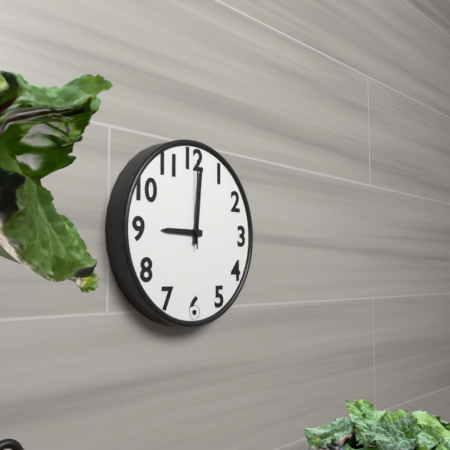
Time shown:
9,01,00
